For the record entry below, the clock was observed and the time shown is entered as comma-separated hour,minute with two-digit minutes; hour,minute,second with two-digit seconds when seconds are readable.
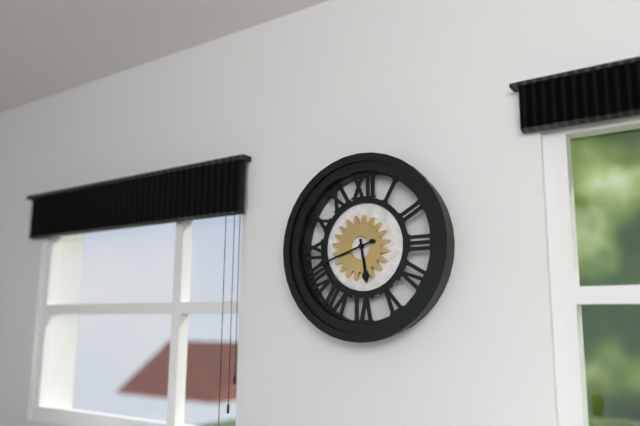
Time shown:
5,42
